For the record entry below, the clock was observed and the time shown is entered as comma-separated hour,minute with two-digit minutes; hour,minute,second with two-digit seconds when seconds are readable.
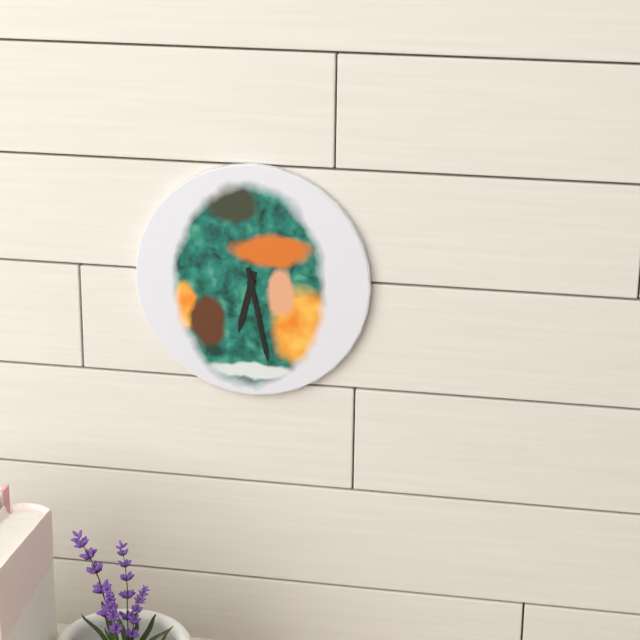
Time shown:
6,28
